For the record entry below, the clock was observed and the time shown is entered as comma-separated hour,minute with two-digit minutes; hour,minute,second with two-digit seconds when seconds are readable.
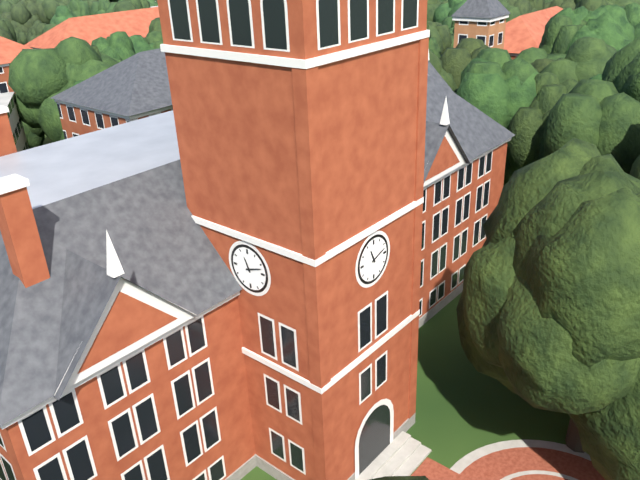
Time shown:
11,12
